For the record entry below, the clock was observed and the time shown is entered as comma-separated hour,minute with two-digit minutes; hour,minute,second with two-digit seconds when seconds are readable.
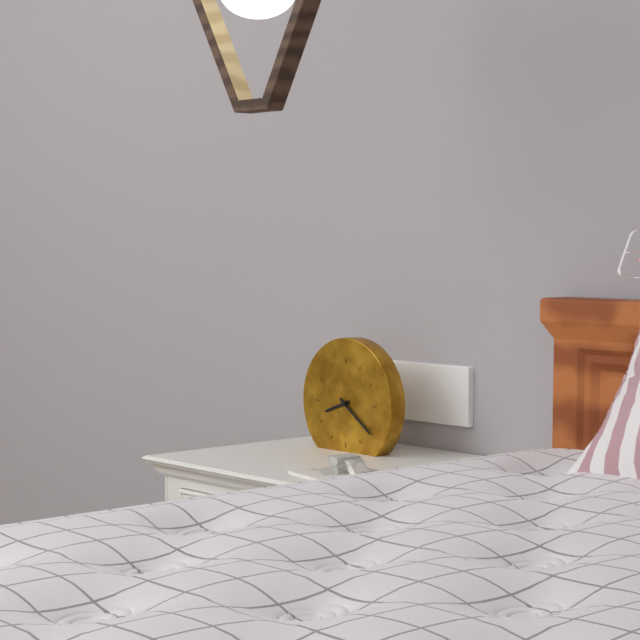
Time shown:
8,21
